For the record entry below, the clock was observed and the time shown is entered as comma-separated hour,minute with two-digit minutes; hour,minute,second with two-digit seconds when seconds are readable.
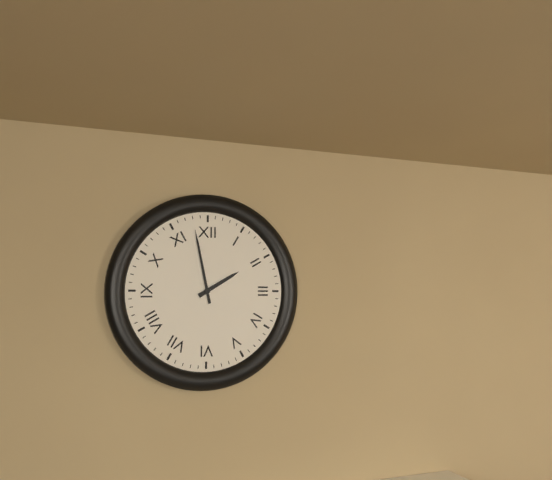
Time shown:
1,58
